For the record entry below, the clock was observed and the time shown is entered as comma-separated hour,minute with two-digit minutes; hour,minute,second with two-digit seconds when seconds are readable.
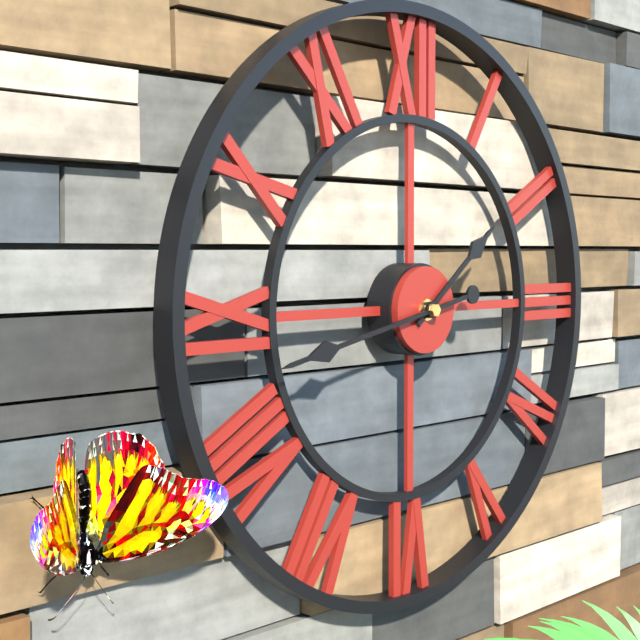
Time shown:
1,43
